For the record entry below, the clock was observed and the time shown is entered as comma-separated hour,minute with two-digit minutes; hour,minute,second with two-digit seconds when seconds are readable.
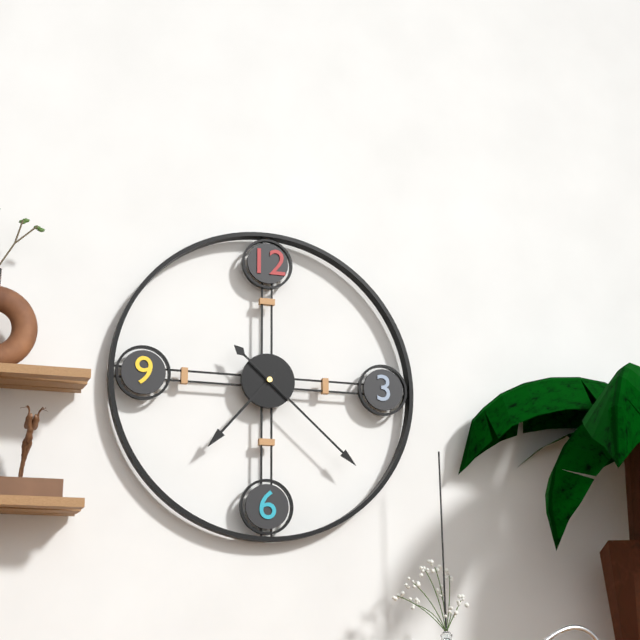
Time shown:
7,22
